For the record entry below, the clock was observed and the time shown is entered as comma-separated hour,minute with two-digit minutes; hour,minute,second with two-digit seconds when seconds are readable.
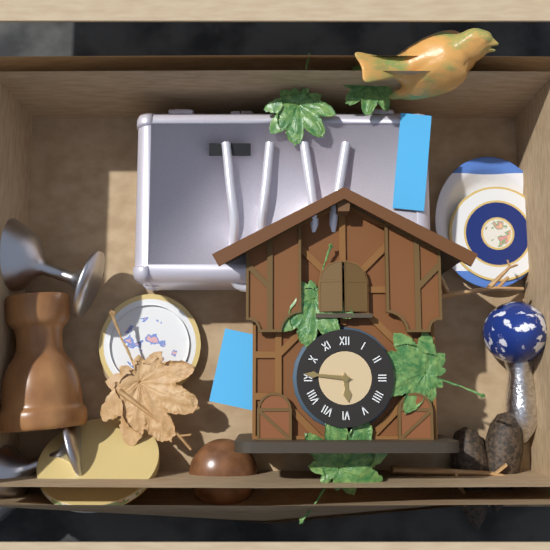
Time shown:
5,46
